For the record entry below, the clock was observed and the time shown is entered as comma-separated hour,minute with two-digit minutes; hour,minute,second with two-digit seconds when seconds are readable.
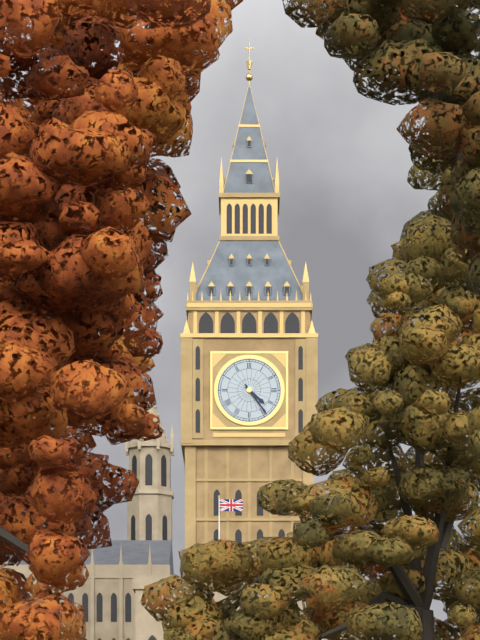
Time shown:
4,24
